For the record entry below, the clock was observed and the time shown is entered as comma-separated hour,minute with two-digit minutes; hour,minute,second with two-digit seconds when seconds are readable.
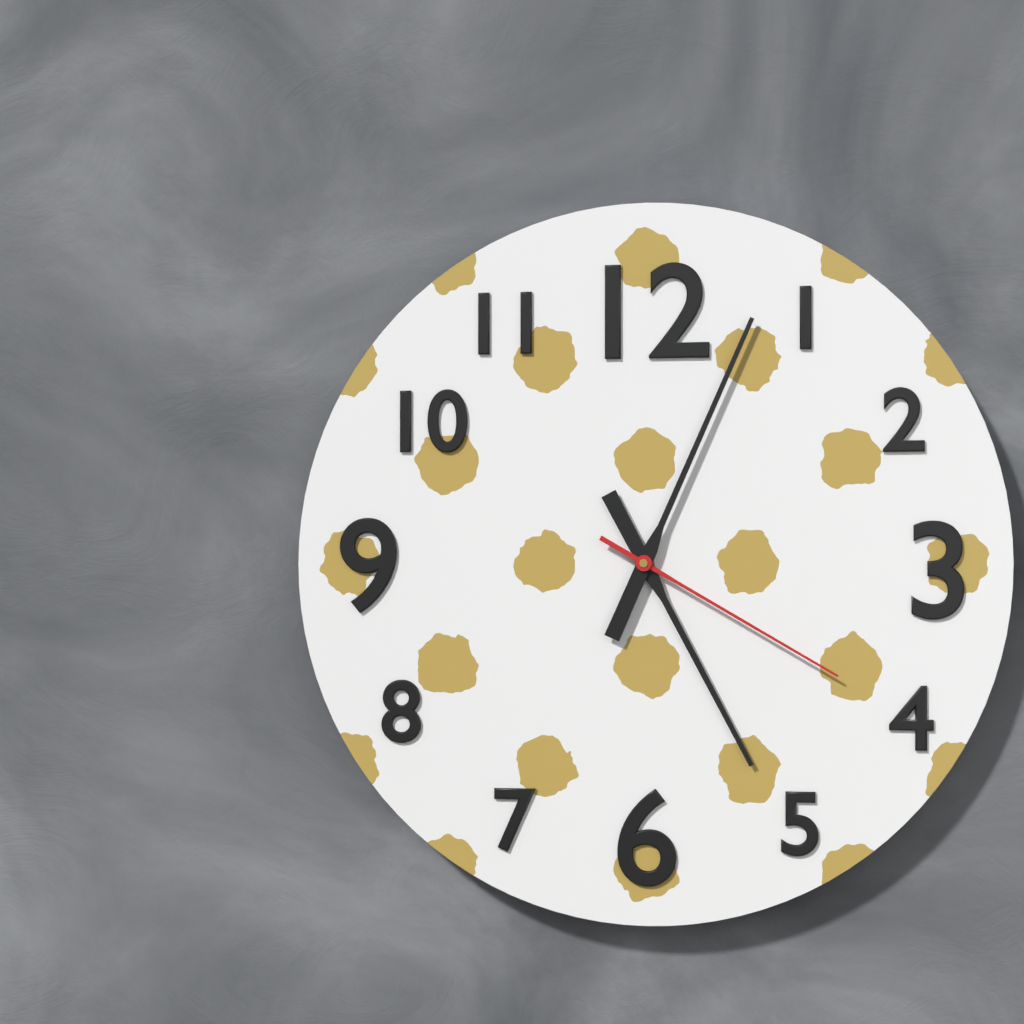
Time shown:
5,04,20
